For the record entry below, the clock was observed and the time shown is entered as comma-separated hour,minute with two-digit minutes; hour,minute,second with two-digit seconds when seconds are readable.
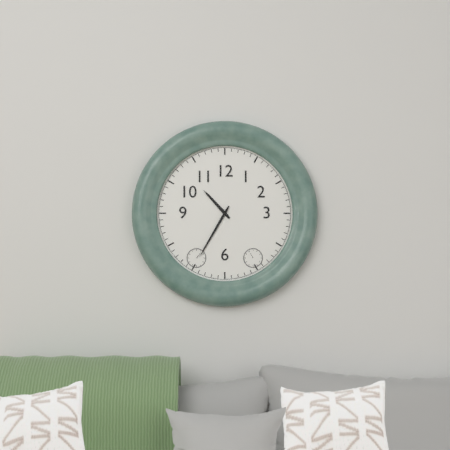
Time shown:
10,35
